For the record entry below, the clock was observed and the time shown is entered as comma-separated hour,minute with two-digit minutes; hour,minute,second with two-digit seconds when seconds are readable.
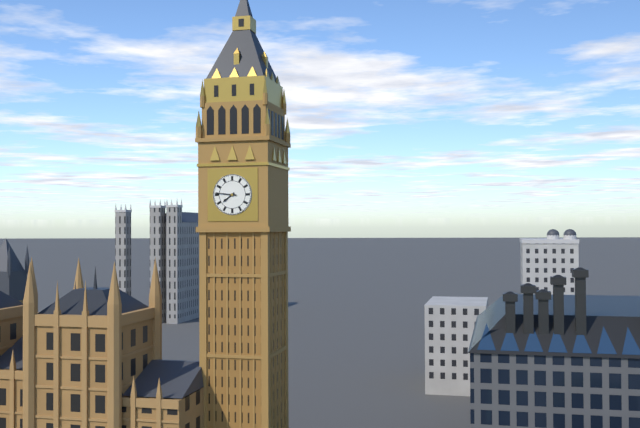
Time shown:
7,46
